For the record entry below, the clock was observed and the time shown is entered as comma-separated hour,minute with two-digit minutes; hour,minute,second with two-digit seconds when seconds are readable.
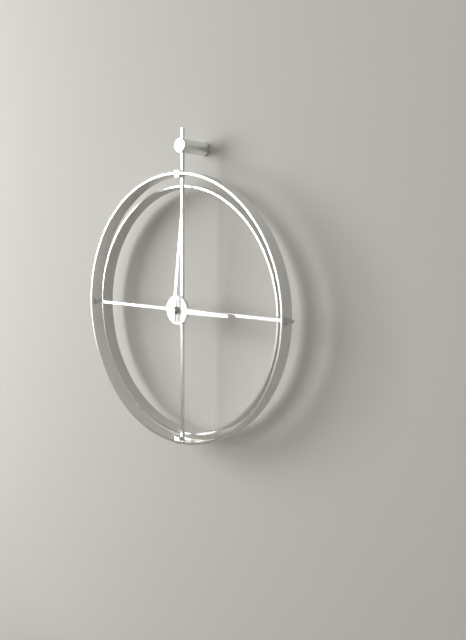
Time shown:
3,01
